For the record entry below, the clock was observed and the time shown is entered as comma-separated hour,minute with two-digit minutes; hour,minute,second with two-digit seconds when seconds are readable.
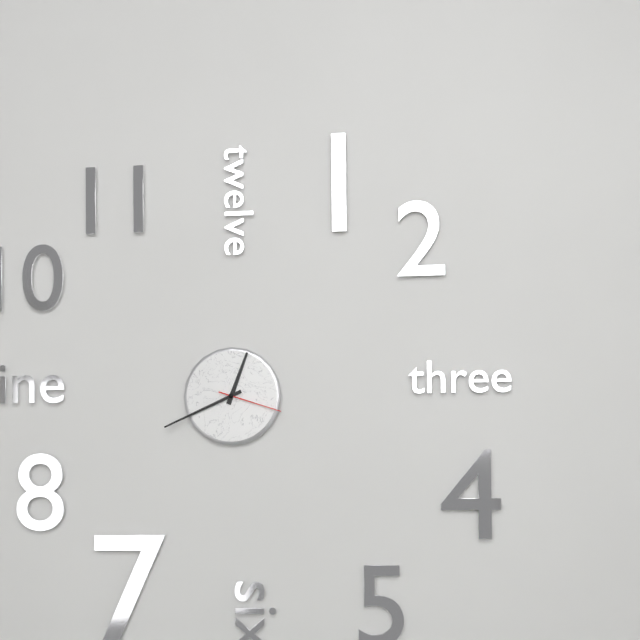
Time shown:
12,41,18
